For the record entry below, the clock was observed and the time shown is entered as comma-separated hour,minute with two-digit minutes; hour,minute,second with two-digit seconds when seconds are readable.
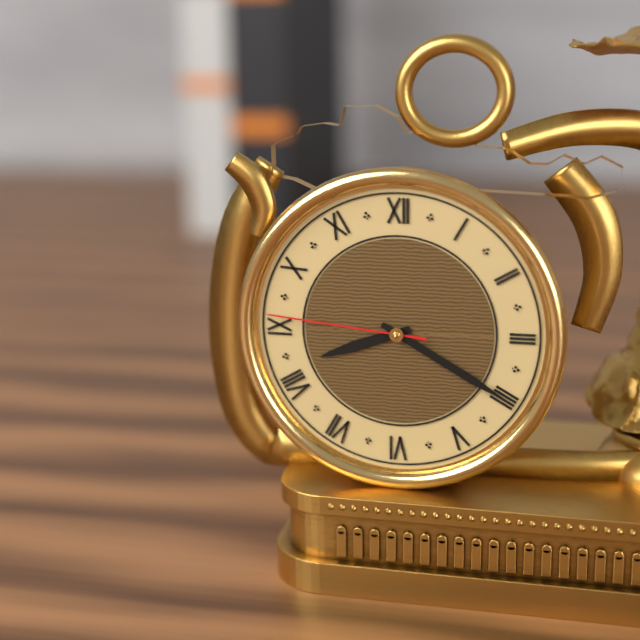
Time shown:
8,20,46
